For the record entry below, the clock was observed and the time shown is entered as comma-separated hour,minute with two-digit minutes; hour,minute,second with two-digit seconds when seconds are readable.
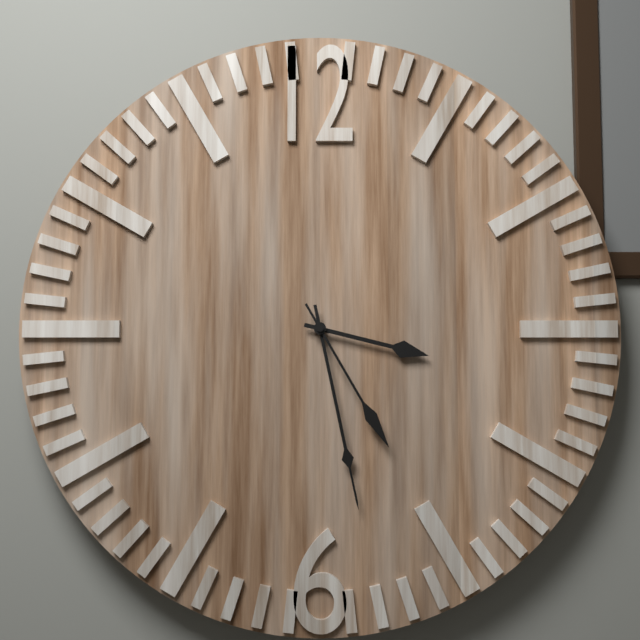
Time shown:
3,28,25
